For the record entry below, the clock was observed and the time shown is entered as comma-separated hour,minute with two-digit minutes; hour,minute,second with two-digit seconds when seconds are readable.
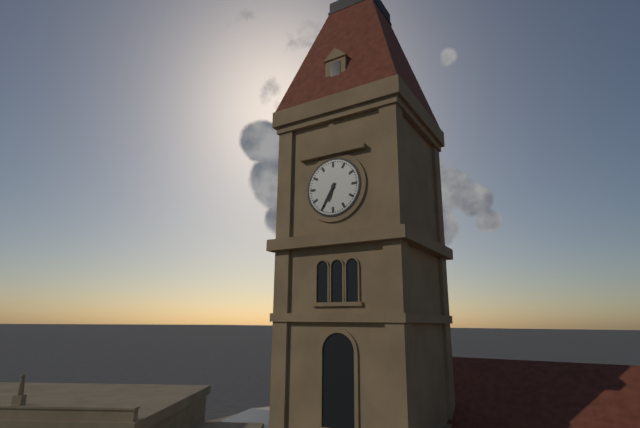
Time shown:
6,35
